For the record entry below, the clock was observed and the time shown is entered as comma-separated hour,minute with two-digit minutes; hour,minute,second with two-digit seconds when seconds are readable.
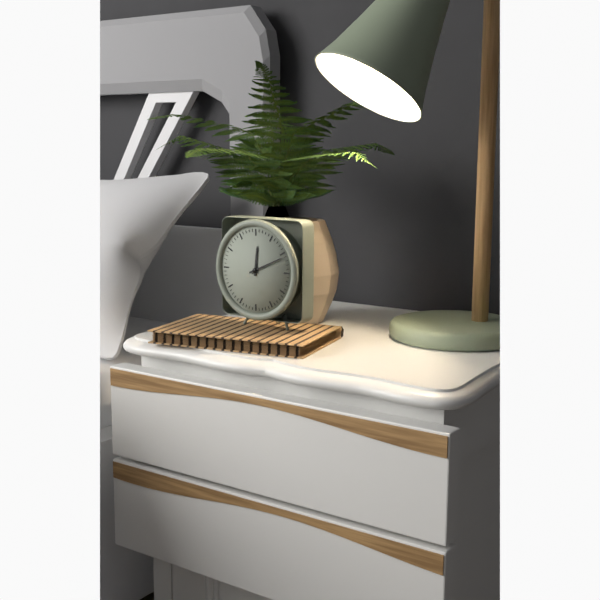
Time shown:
12,11
